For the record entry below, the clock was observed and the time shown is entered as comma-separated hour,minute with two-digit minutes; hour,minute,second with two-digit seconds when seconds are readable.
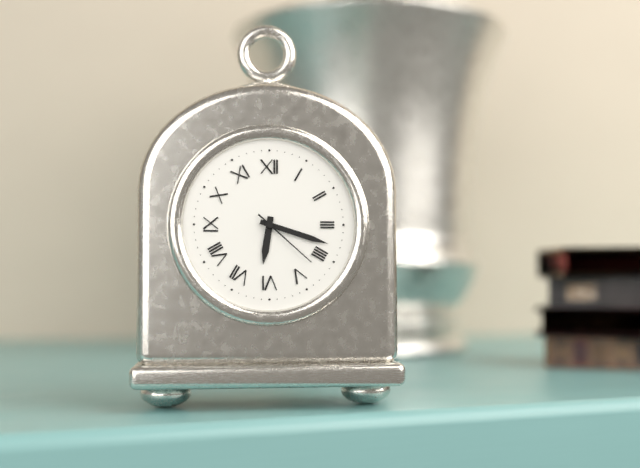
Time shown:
6,18,22
